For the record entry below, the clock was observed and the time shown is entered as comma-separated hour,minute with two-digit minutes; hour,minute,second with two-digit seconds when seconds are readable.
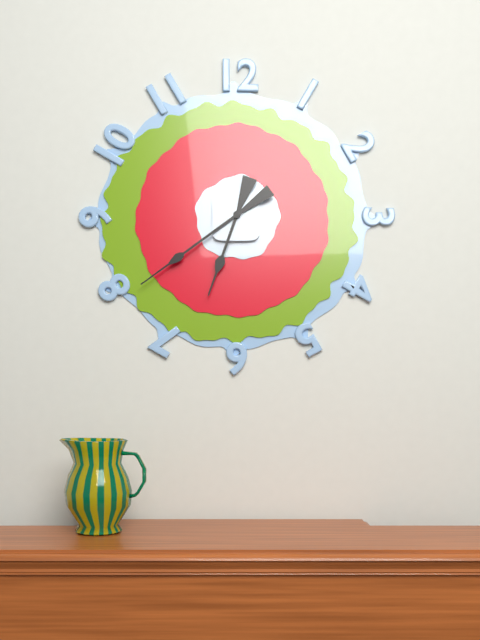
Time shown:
6,39
